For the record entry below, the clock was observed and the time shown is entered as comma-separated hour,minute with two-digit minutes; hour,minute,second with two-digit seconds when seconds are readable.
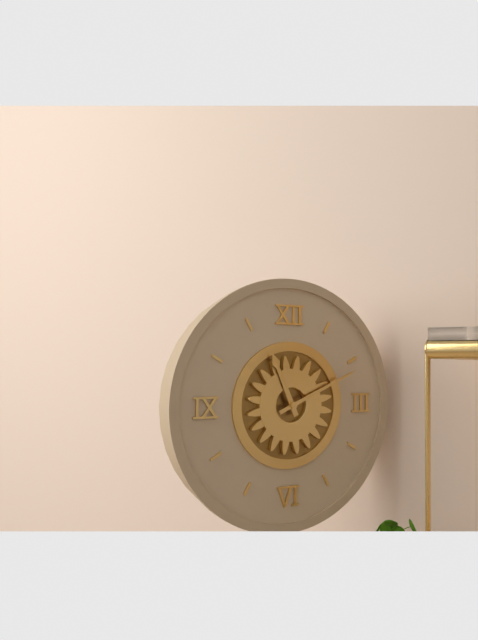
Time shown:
11,11
